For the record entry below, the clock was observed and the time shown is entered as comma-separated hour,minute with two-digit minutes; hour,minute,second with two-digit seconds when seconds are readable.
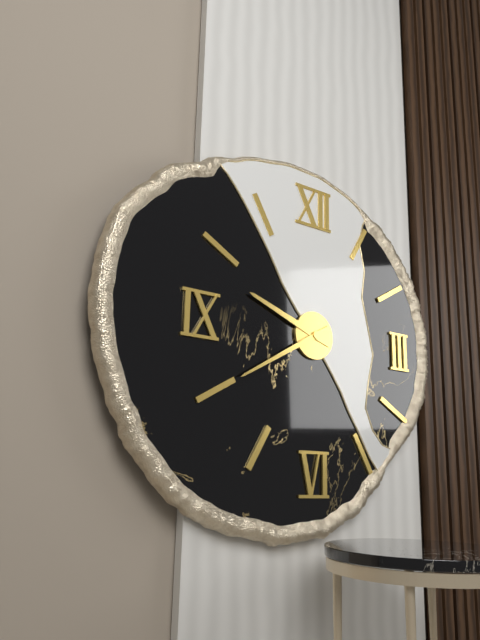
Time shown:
9,40
